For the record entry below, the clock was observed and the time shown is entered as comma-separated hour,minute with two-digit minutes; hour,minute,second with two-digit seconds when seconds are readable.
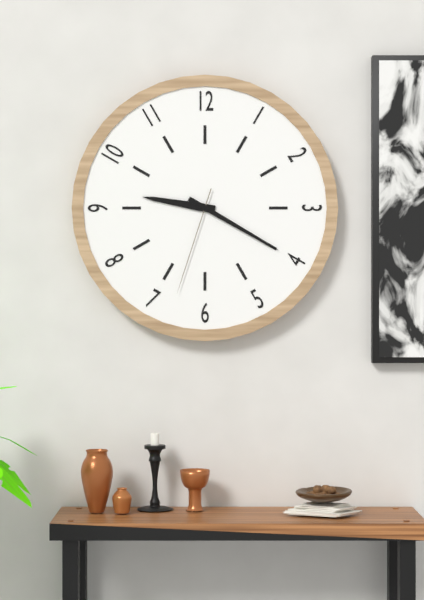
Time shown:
9,20,33
